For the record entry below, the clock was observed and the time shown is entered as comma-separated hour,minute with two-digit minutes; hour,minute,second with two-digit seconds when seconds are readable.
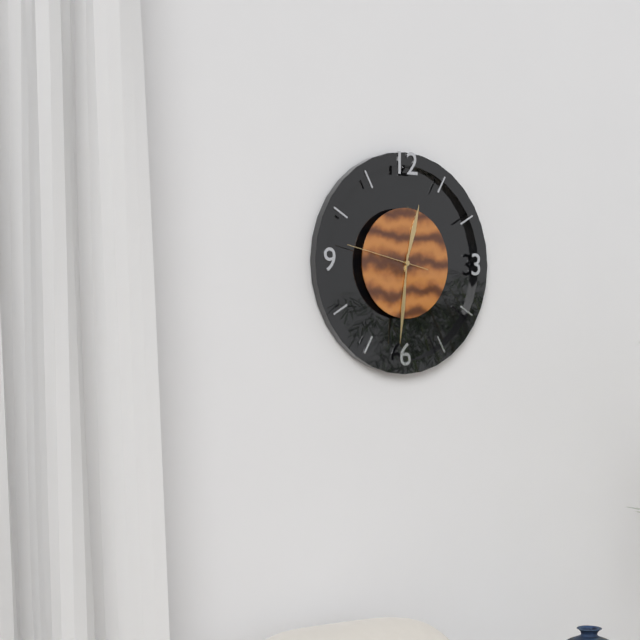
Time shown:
12,31,47
